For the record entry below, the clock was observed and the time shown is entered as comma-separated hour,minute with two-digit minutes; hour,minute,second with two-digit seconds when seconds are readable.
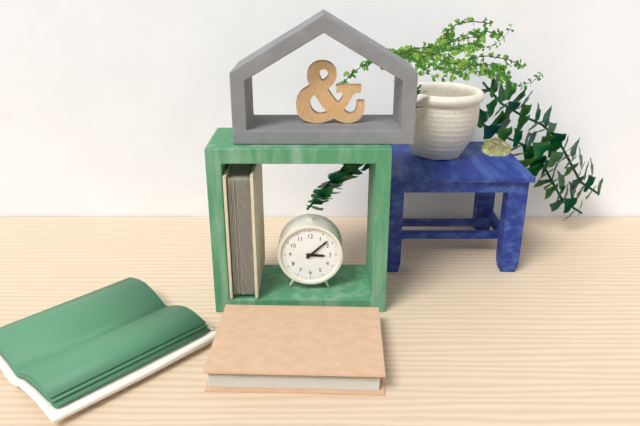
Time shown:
3,08
